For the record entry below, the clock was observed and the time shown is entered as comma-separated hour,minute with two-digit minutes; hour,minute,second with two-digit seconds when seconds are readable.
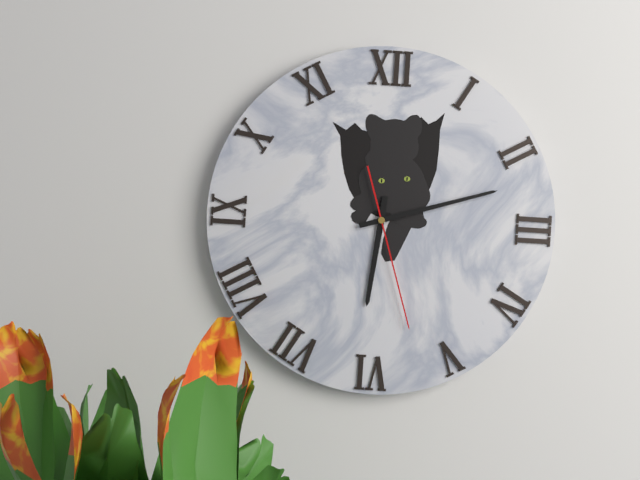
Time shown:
6,12,27
